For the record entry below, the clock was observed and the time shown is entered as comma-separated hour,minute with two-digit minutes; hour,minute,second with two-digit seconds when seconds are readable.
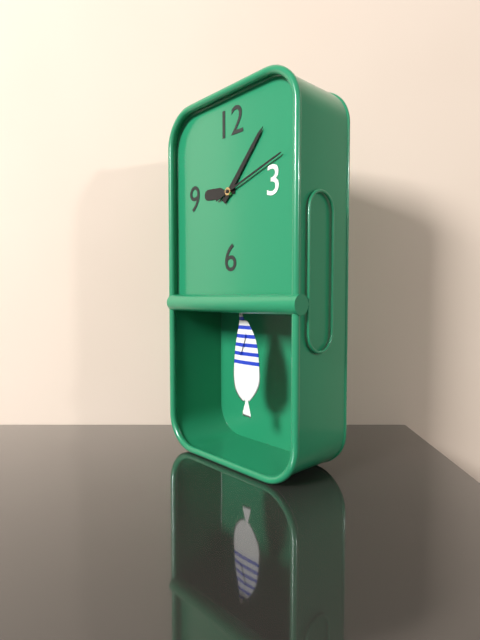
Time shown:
9,07,12
